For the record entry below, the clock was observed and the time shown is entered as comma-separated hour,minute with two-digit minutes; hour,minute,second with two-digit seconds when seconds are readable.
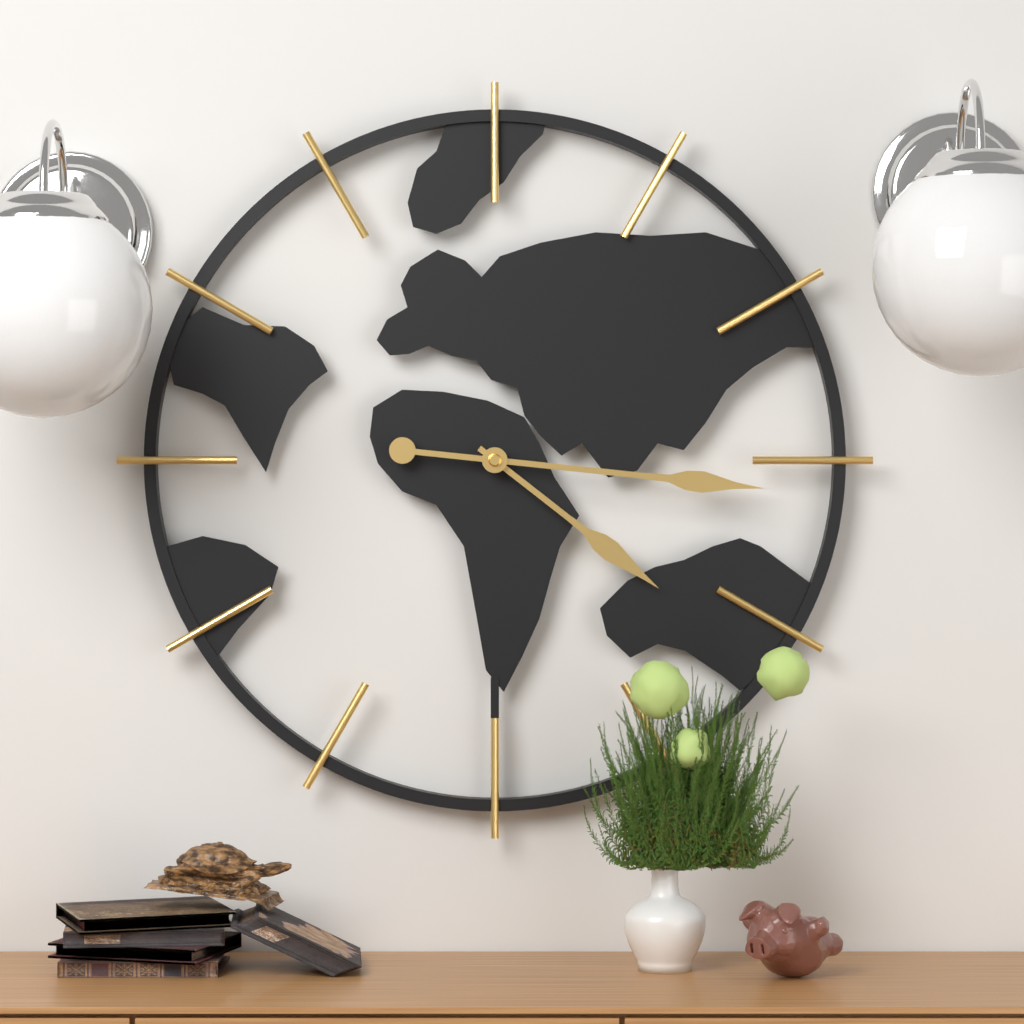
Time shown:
4,16
